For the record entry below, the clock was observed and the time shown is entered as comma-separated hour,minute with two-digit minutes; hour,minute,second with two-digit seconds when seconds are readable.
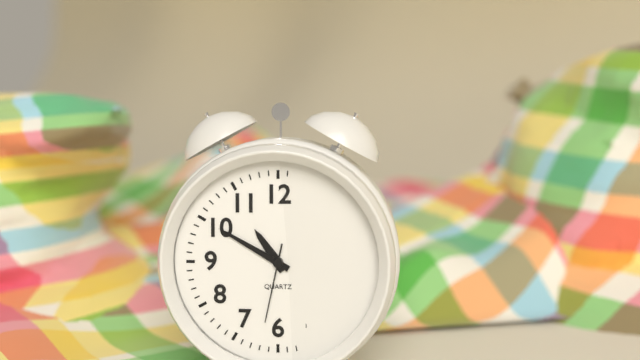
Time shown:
10,50,32
